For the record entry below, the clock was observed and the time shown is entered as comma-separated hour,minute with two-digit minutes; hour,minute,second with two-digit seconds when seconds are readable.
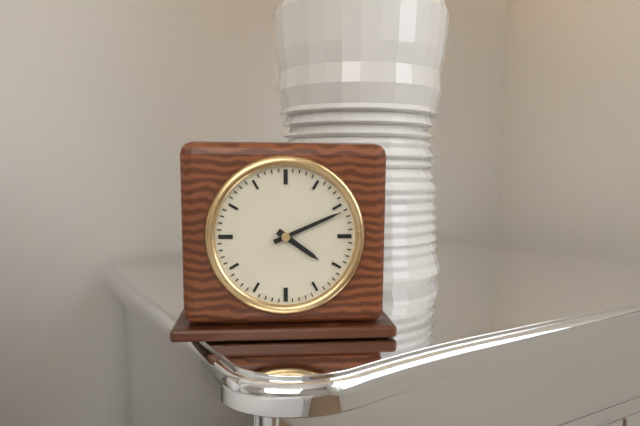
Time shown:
4,11
